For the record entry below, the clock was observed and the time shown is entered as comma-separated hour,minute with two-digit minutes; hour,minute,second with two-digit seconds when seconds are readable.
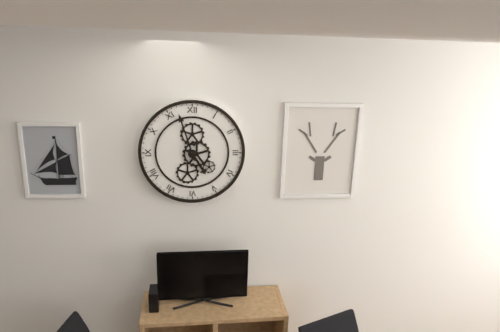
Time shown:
4,57
